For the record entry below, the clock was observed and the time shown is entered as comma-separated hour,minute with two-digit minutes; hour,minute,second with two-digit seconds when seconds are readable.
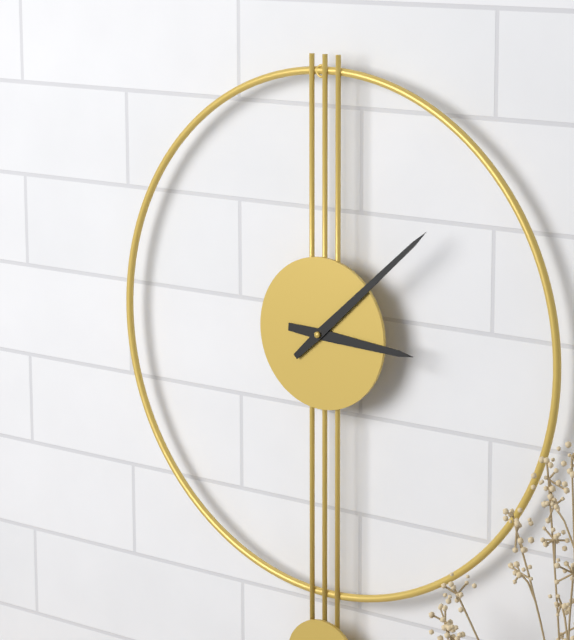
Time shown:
3,08
